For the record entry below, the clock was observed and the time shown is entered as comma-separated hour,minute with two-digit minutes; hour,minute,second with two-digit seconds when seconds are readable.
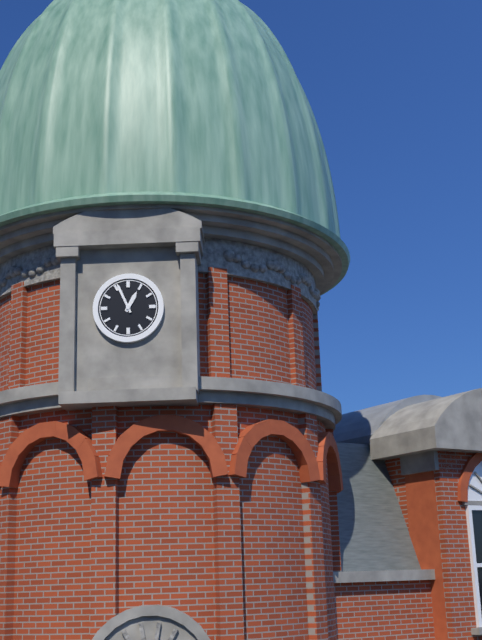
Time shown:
12,56
